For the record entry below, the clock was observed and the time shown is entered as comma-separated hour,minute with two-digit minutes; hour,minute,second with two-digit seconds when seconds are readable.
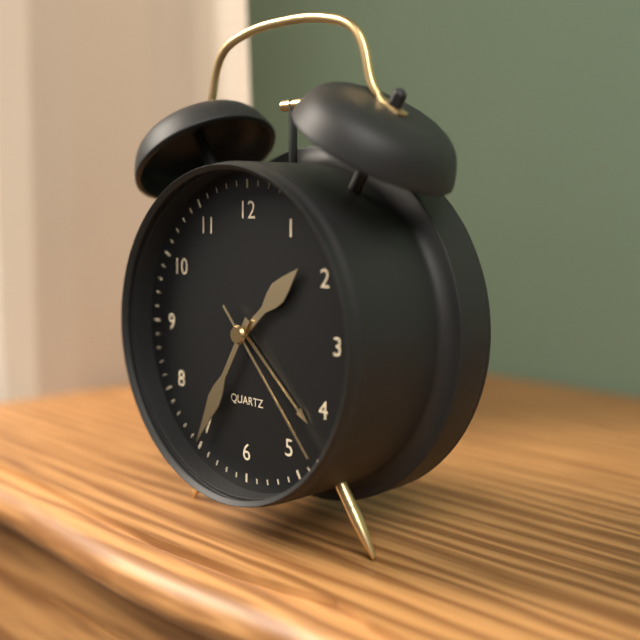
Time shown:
1,35,23
